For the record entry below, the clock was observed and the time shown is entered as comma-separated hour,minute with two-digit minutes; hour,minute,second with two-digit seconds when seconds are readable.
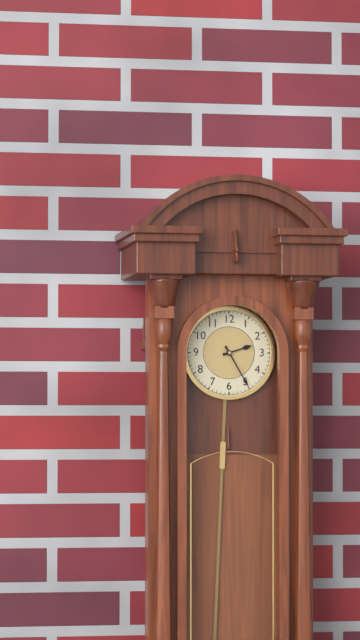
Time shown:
2,25
